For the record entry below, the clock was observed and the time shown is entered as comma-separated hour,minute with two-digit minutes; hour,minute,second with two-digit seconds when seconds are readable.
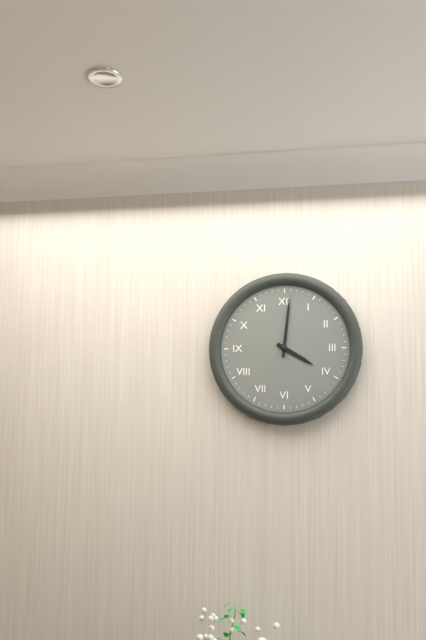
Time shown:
4,01
